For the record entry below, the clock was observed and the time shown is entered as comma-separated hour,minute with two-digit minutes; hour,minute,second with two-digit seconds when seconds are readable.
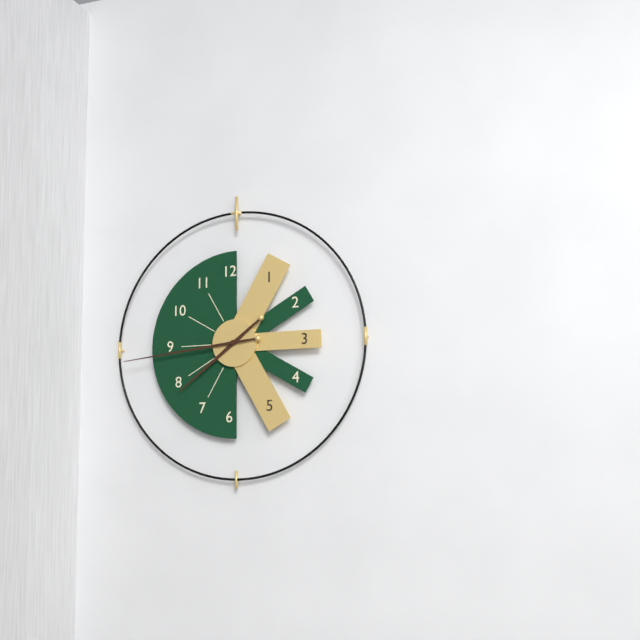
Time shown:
7,44
